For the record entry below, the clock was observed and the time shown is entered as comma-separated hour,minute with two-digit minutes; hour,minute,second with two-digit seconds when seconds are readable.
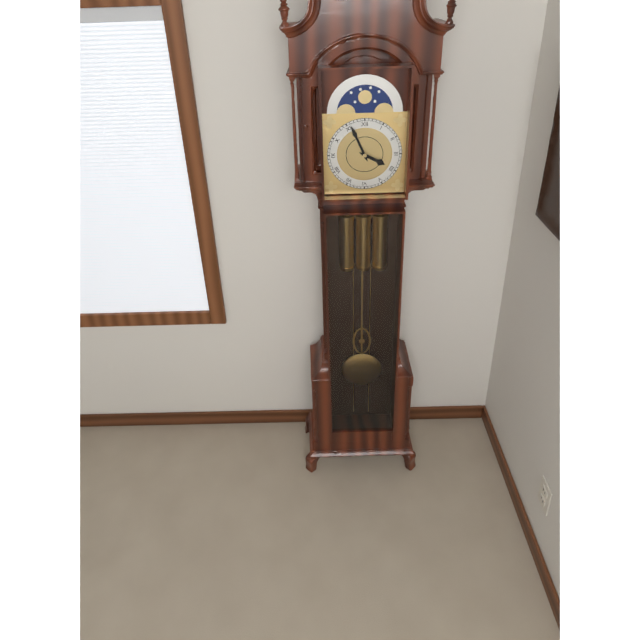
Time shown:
3,56
